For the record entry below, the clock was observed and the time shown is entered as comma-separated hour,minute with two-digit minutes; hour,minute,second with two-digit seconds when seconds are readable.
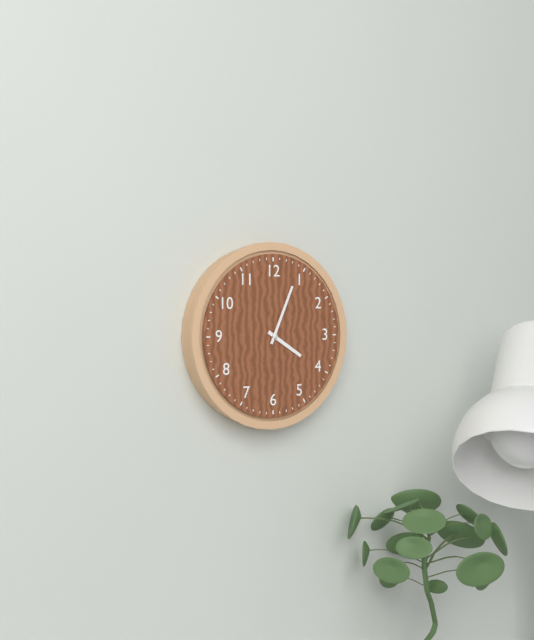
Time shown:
4,04
